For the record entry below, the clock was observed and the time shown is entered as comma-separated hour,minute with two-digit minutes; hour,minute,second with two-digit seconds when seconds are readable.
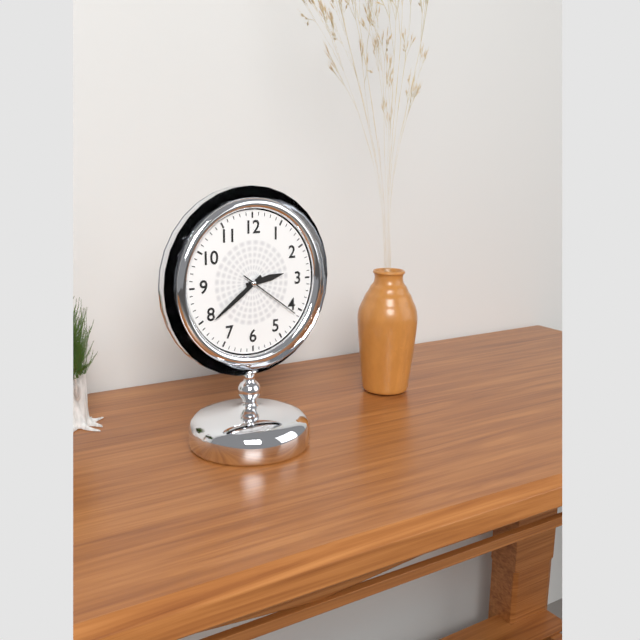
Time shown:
2,39,21
